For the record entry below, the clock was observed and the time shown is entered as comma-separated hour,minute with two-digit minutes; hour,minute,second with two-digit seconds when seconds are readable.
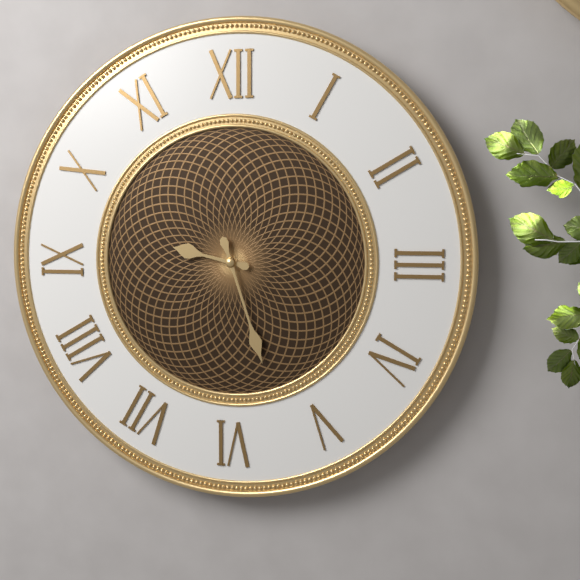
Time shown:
9,27
